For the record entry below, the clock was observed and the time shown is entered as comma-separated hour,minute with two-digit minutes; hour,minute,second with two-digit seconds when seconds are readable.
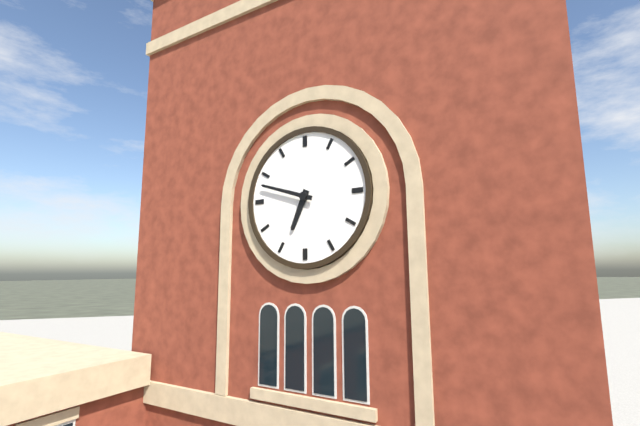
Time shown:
6,48
